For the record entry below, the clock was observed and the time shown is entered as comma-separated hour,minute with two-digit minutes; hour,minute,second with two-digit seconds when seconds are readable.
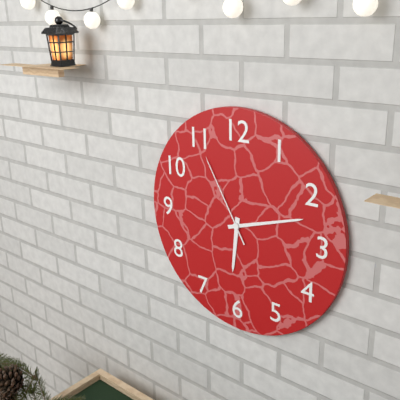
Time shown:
6,12,55
